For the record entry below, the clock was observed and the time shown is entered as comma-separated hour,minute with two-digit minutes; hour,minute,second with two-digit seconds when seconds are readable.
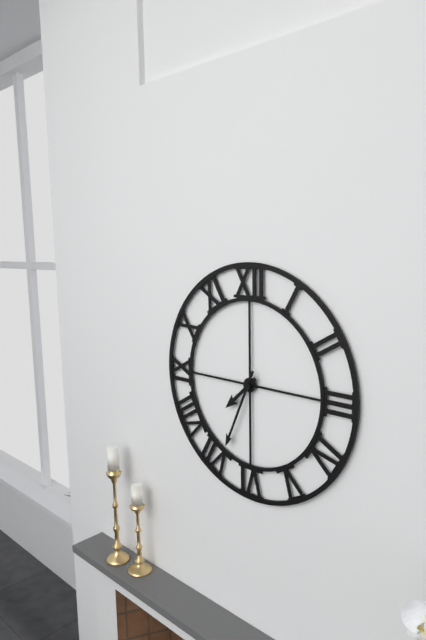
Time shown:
7,34
